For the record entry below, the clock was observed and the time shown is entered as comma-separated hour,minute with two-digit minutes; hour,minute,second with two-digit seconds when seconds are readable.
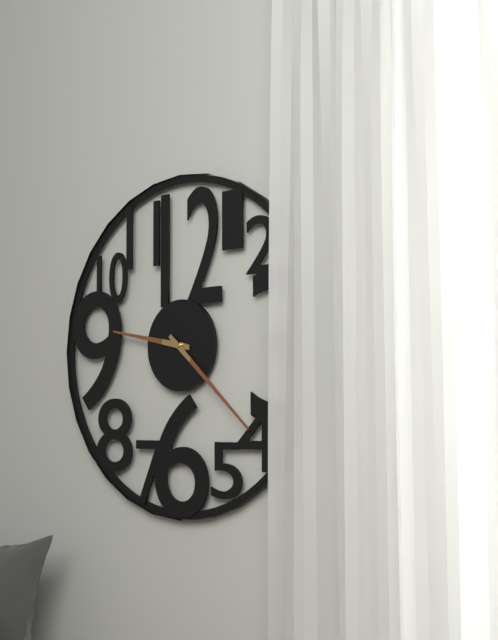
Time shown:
9,22
